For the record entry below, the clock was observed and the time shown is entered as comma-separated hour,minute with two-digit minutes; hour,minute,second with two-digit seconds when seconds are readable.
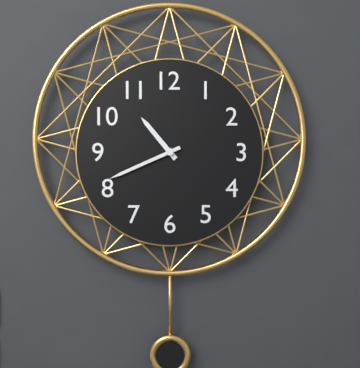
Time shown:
10,41
